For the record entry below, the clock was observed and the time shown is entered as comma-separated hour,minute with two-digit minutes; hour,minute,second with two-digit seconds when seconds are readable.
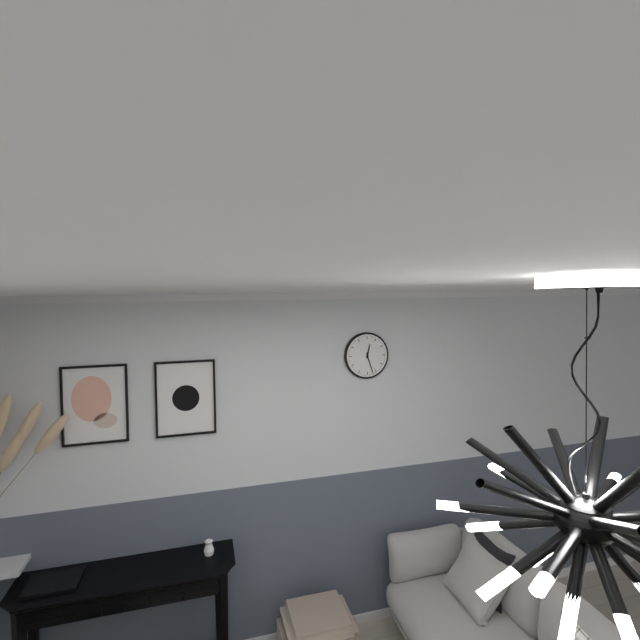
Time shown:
12,27
